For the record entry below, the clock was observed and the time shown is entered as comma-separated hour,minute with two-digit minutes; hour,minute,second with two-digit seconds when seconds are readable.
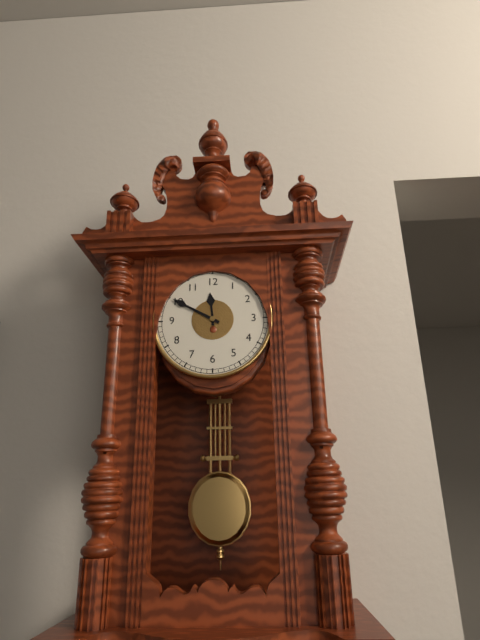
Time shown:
11,50
